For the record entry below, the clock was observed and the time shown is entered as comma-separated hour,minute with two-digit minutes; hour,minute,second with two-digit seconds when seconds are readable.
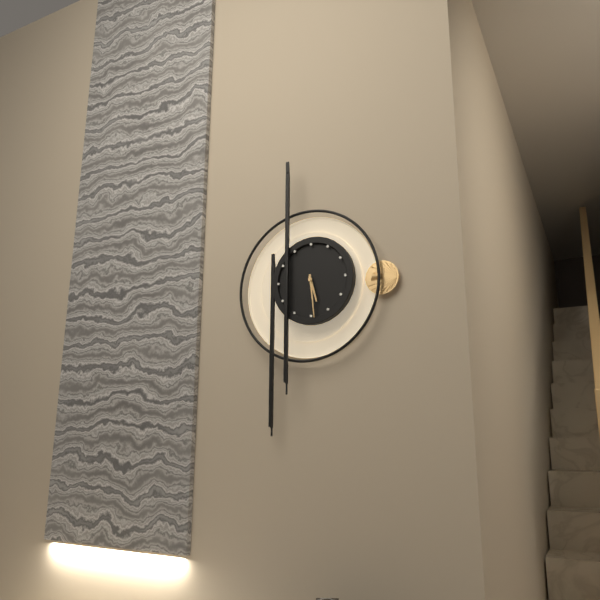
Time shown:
5,29
